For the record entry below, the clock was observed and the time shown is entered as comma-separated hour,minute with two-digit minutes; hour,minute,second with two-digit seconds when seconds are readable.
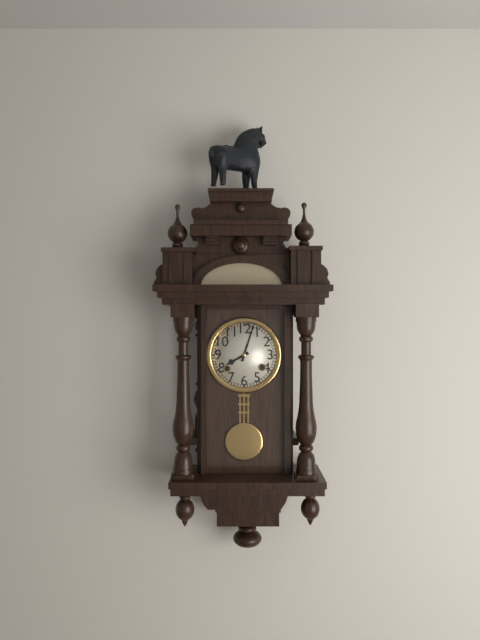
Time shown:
8,03
